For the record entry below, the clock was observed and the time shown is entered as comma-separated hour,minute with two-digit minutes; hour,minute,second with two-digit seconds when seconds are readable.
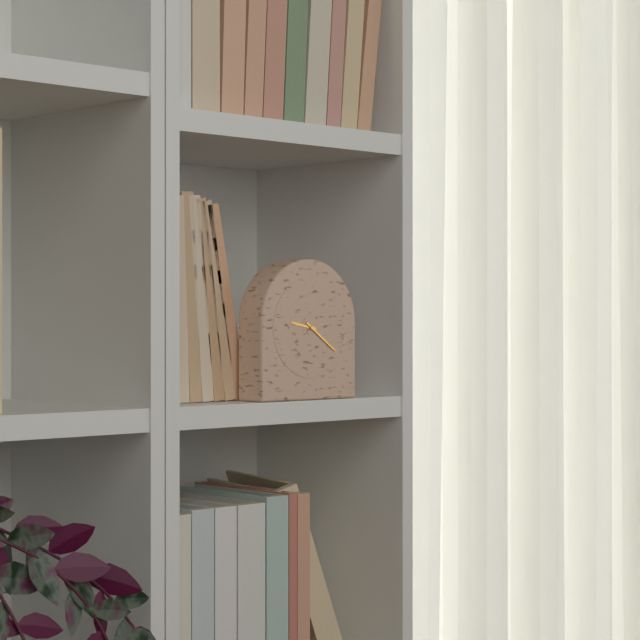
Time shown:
9,21
